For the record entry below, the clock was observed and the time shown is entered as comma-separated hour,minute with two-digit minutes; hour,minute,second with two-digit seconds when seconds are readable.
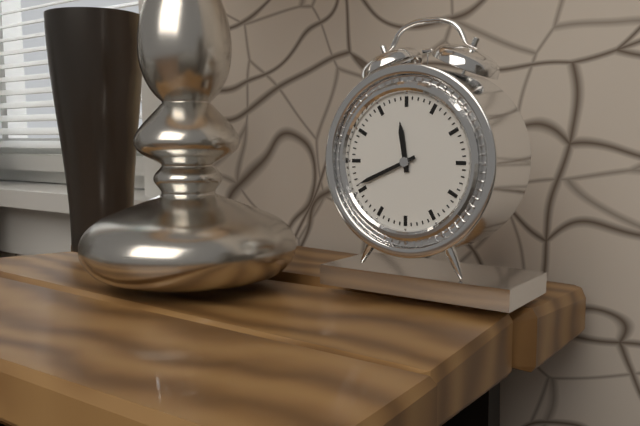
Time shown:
11,41
